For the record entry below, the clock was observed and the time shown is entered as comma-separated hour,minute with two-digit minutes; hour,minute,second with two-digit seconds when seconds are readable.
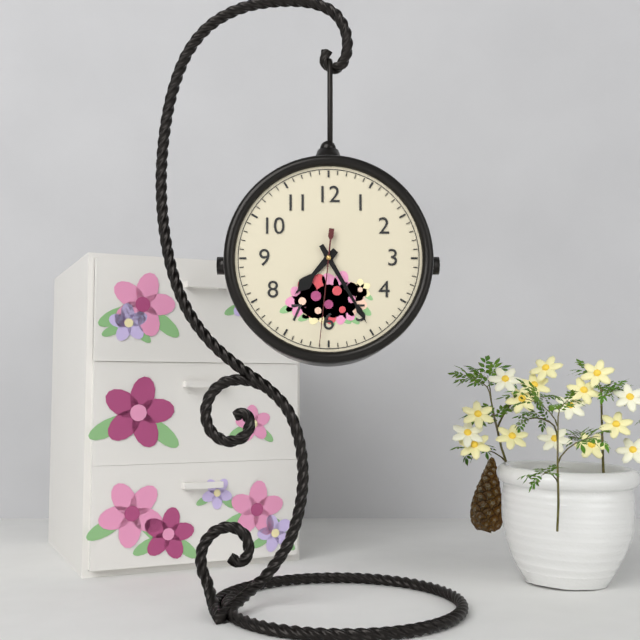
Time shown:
7,25,31
